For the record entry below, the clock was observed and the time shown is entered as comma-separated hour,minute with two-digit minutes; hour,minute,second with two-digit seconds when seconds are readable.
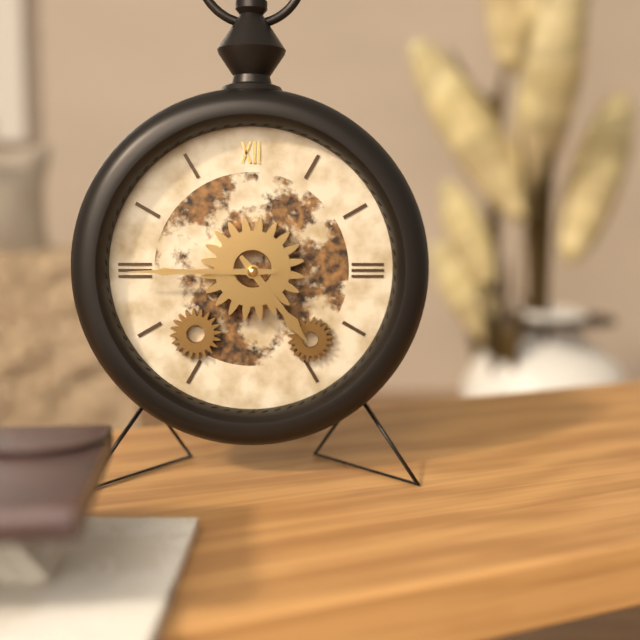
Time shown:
4,45
